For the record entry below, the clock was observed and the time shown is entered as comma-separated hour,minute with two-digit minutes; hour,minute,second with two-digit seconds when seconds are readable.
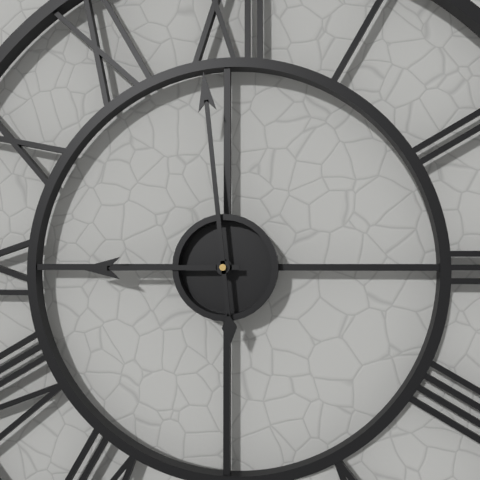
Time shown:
8,59
